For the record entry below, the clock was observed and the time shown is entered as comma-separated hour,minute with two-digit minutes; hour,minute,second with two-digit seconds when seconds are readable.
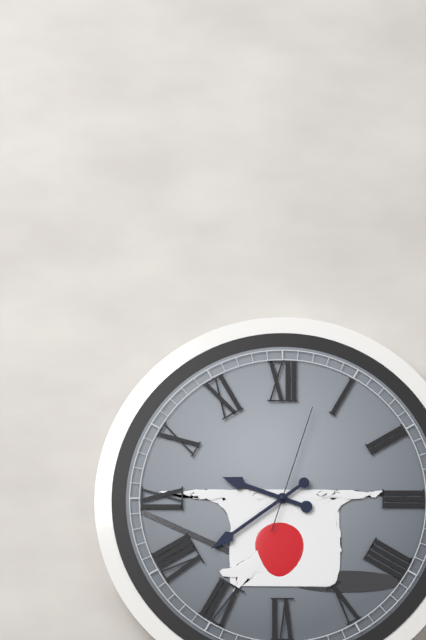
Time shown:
9,39,03
